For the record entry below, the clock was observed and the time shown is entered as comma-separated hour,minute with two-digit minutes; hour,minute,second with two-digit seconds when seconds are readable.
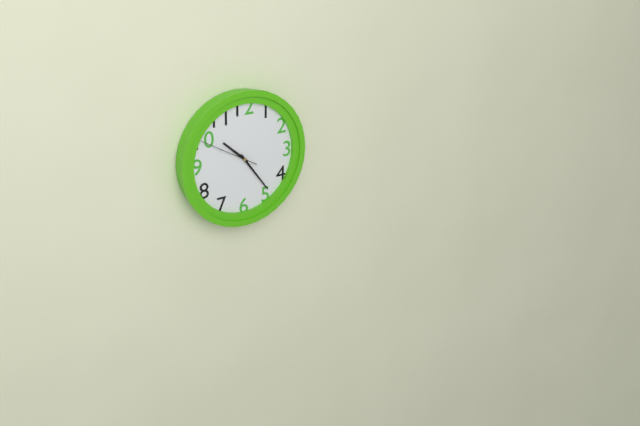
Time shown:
10,24,50
